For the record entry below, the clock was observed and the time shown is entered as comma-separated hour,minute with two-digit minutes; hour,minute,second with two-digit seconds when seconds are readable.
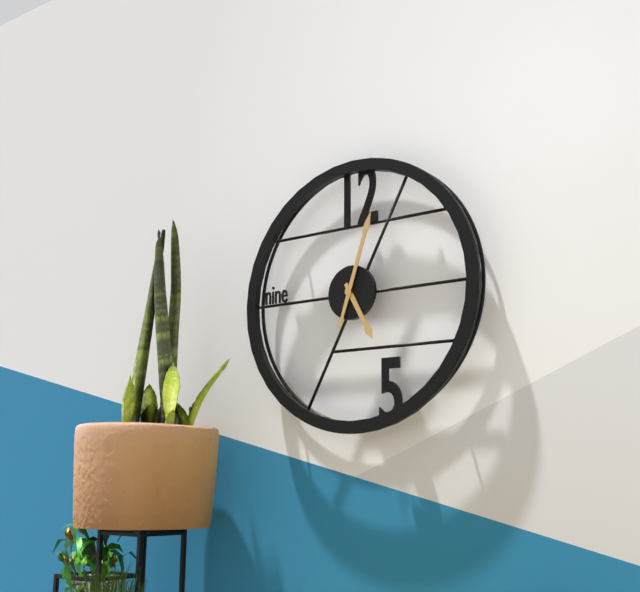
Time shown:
5,03
